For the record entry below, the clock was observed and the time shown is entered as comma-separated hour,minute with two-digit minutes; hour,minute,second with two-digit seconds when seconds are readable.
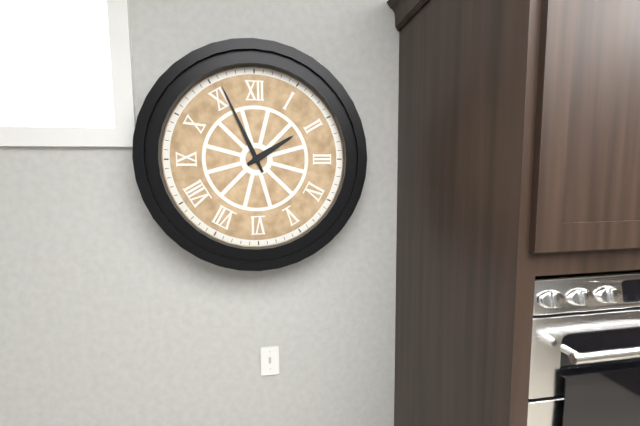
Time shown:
1,56
